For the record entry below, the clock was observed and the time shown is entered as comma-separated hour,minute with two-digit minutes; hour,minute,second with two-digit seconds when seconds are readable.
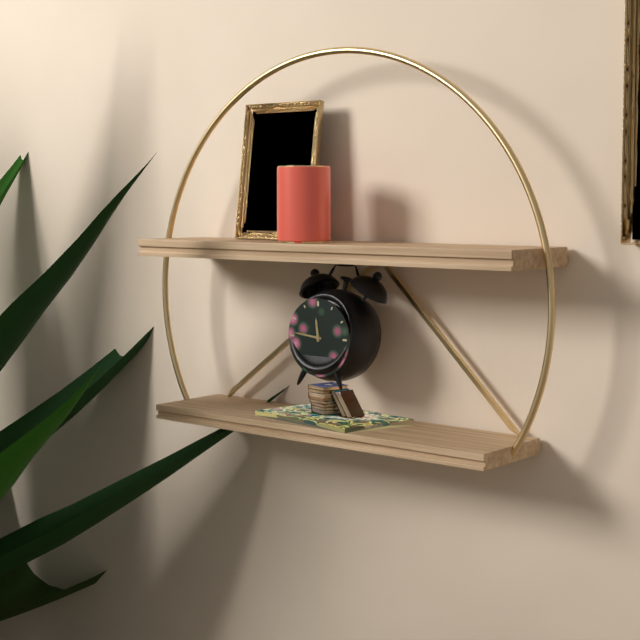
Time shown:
11,46
